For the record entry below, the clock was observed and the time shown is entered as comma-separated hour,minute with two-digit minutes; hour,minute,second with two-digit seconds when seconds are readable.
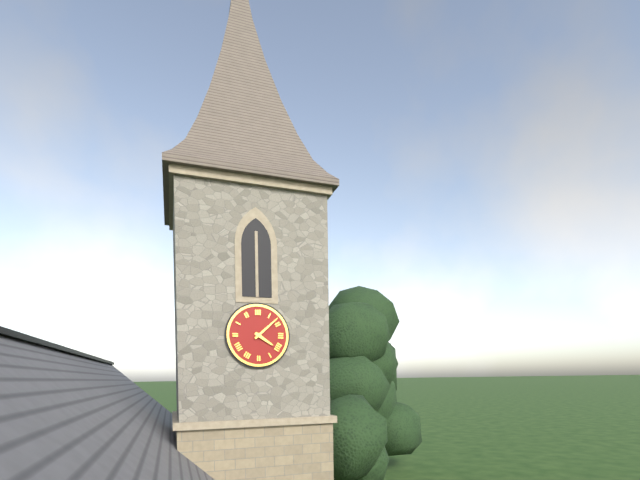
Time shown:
4,08
